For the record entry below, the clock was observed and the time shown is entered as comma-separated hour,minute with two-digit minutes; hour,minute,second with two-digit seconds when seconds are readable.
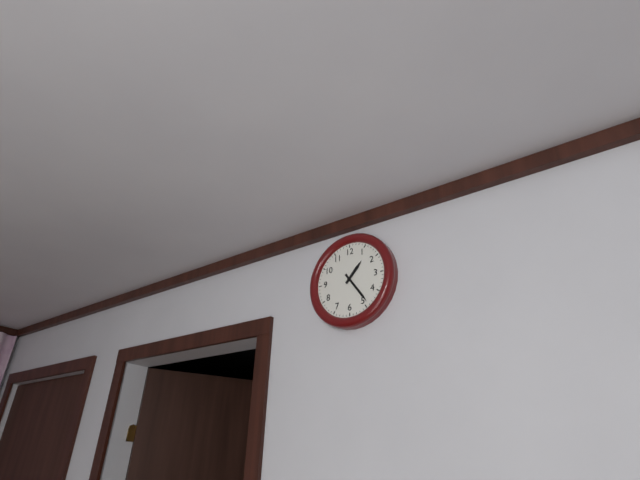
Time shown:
1,24
